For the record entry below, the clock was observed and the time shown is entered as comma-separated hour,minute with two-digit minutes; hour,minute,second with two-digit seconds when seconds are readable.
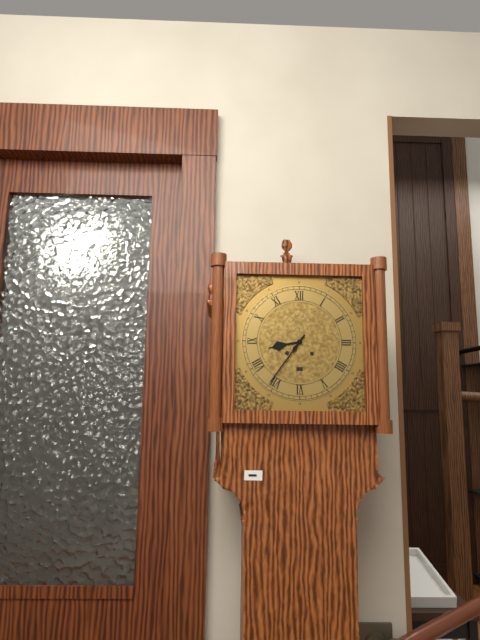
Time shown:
8,36
